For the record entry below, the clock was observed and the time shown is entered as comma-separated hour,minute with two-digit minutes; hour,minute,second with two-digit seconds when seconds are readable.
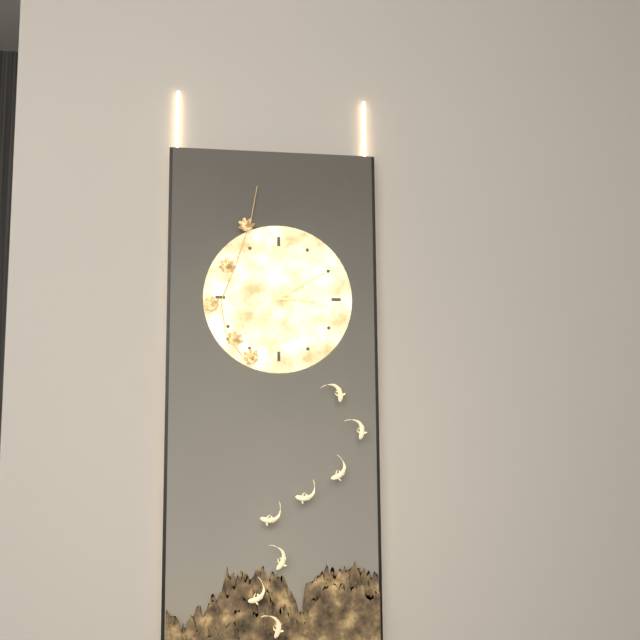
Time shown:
3,10
